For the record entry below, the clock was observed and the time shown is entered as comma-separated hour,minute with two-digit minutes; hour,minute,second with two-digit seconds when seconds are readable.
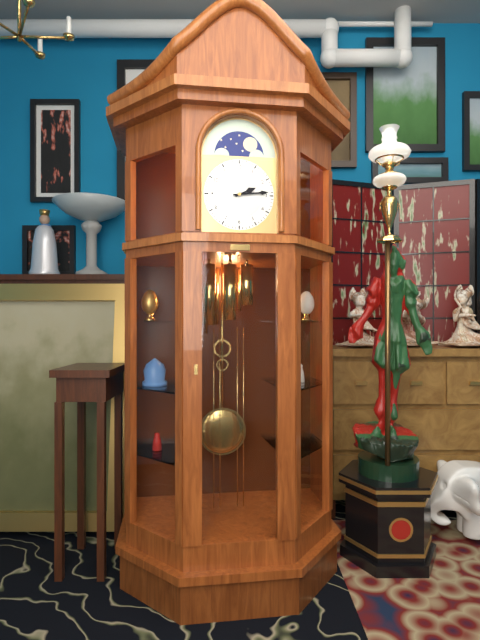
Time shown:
2,14
